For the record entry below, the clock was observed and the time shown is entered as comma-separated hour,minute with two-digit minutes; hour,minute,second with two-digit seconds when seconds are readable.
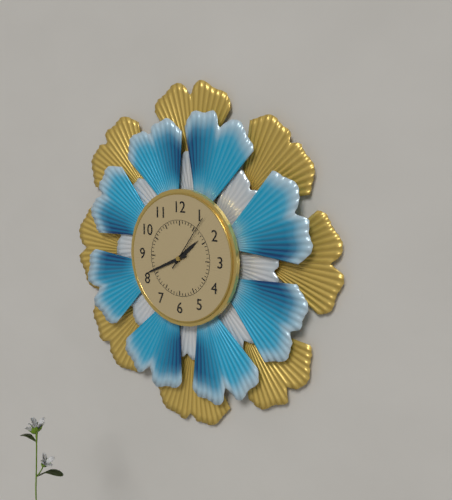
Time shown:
1,41
